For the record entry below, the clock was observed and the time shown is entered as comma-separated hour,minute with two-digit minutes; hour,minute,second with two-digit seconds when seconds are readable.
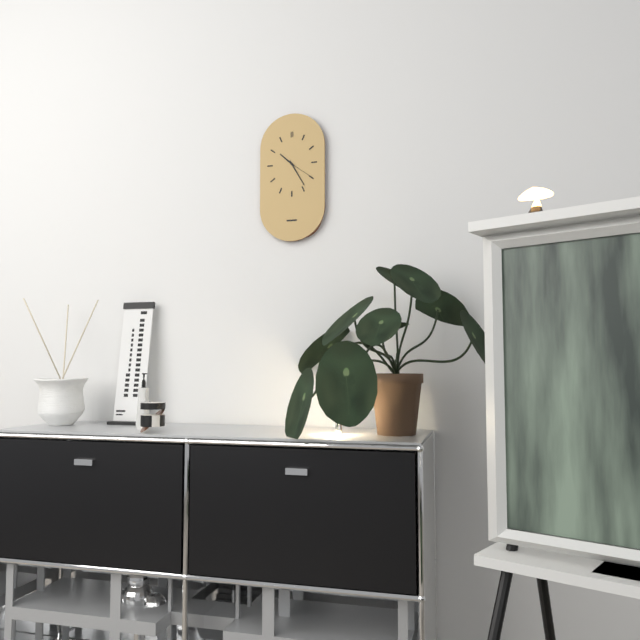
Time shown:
10,25
